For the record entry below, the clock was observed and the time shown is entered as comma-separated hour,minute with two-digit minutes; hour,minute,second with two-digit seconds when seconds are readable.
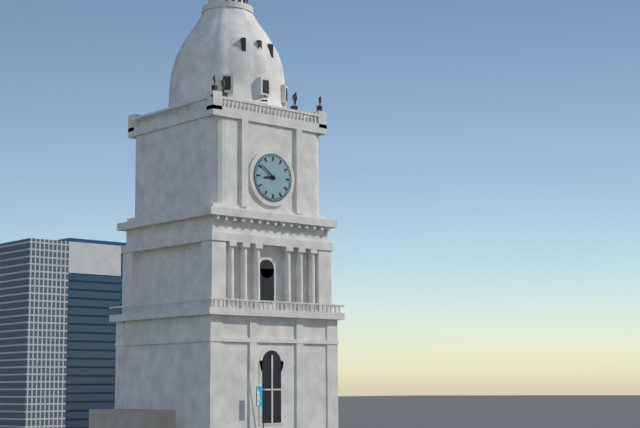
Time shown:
8,51
